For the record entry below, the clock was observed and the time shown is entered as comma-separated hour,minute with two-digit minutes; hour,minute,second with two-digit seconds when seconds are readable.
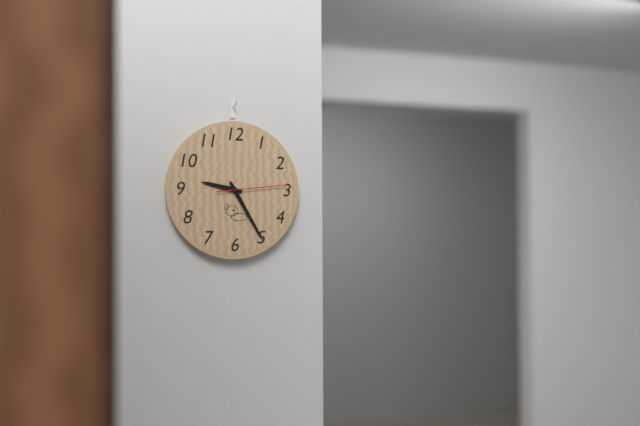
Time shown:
9,25,14
